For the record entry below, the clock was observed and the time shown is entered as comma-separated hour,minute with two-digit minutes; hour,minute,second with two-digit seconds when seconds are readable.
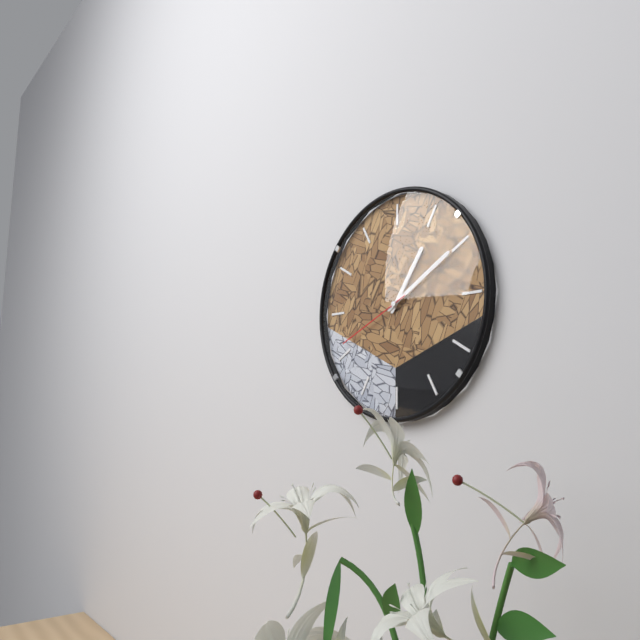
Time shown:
1,10,41
